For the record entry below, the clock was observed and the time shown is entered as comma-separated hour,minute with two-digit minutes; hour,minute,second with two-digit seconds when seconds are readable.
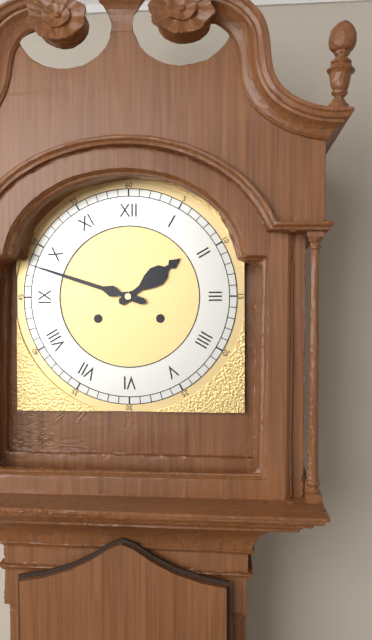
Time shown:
1,48
